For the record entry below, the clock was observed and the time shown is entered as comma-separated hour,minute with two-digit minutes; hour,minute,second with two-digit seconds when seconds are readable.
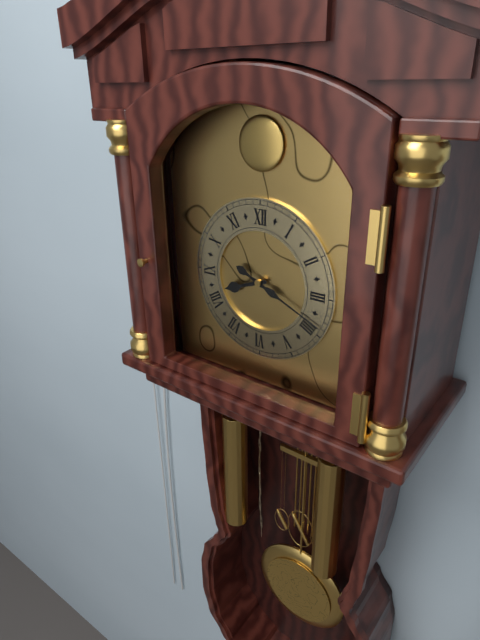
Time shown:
8,19
